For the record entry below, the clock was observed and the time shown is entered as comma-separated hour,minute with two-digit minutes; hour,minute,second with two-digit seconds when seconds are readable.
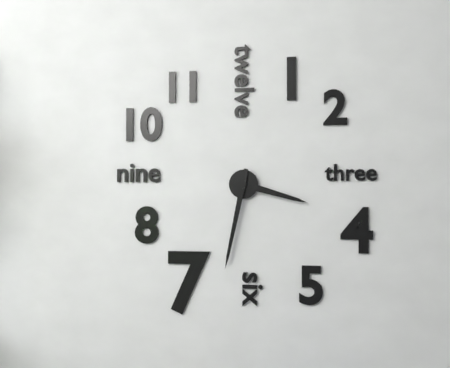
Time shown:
3,32
